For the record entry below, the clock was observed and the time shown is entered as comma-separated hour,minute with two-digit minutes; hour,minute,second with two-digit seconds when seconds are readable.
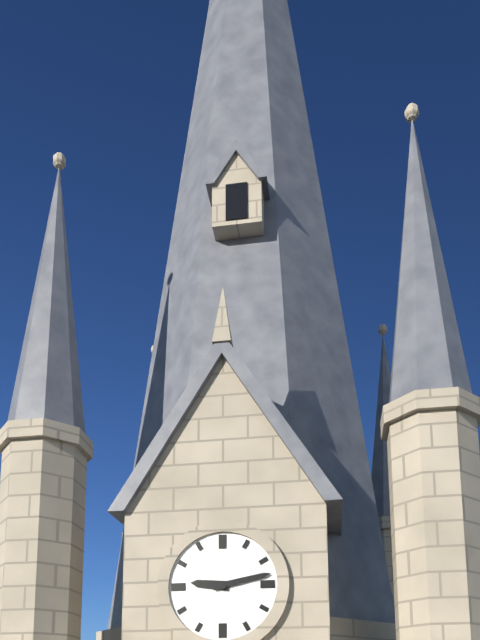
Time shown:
9,13
